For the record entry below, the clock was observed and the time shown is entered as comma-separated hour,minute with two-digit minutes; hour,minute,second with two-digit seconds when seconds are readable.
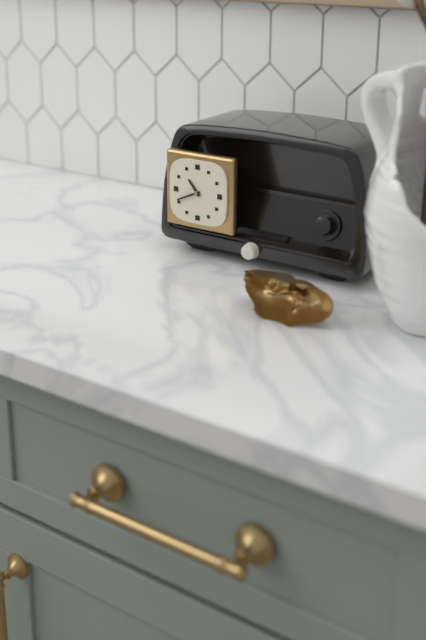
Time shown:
10,41
